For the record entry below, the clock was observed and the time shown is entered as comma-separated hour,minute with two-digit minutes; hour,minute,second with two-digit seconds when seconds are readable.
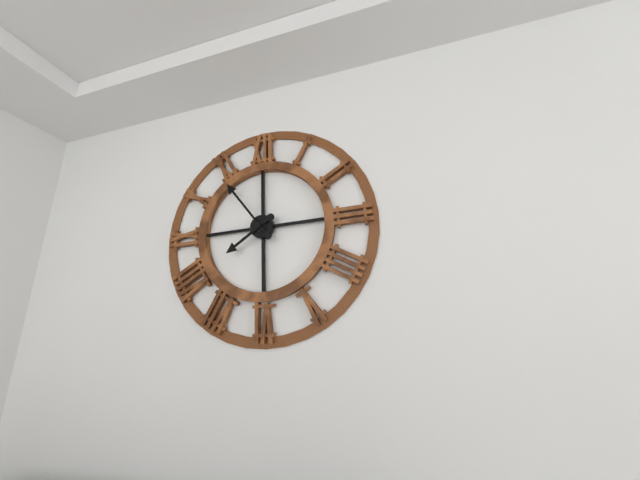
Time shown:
7,54
